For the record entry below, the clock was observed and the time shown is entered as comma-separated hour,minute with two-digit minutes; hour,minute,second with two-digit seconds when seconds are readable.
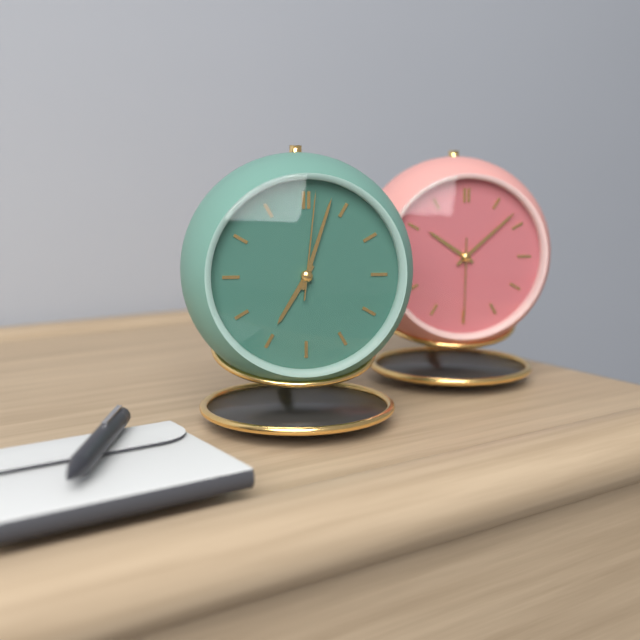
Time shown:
7,03,01
